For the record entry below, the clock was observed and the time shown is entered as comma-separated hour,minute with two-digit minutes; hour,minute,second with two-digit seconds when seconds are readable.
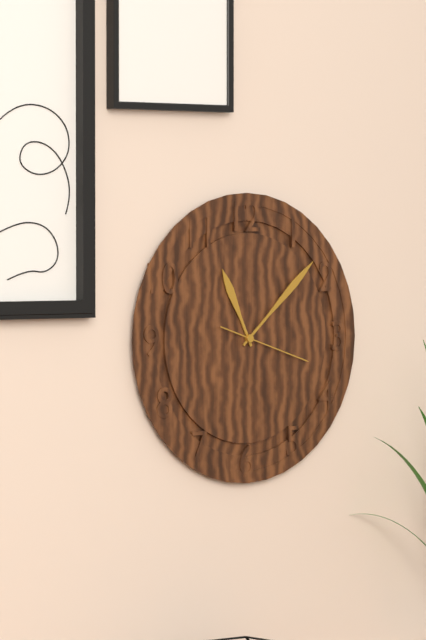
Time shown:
11,08,18
